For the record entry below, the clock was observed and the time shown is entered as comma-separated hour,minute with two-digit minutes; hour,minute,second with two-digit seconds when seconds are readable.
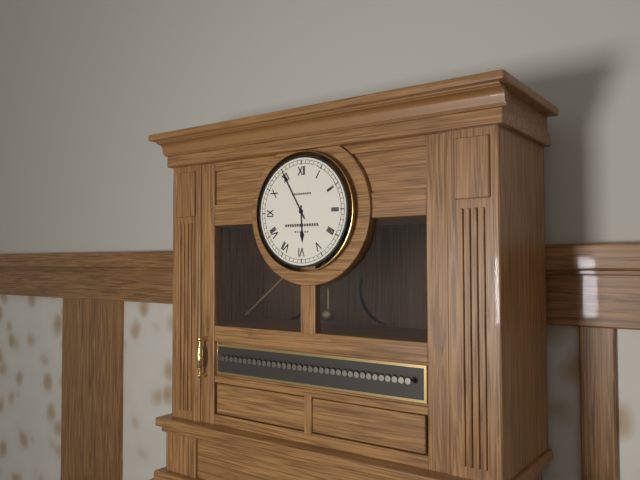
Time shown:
5,55
